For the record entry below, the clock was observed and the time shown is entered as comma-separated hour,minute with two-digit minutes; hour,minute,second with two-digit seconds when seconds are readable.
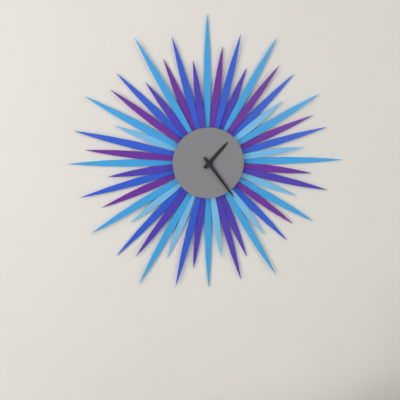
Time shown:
1,24
